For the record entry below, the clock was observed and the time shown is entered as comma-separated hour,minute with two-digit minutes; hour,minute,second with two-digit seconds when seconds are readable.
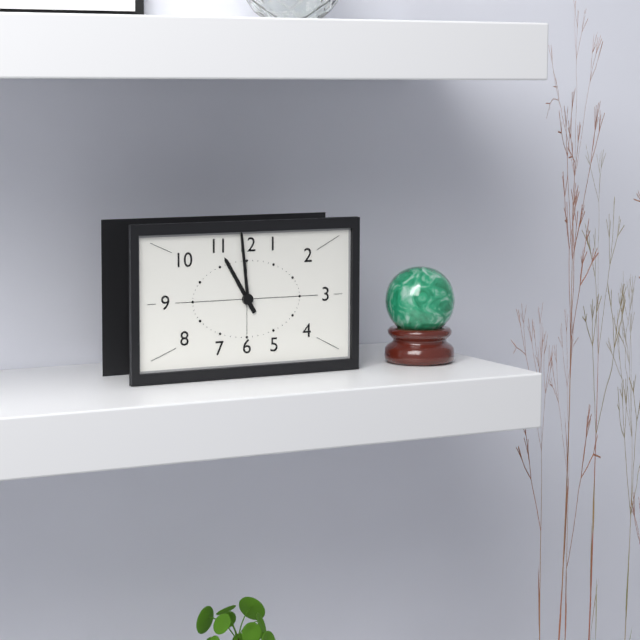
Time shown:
10,59
